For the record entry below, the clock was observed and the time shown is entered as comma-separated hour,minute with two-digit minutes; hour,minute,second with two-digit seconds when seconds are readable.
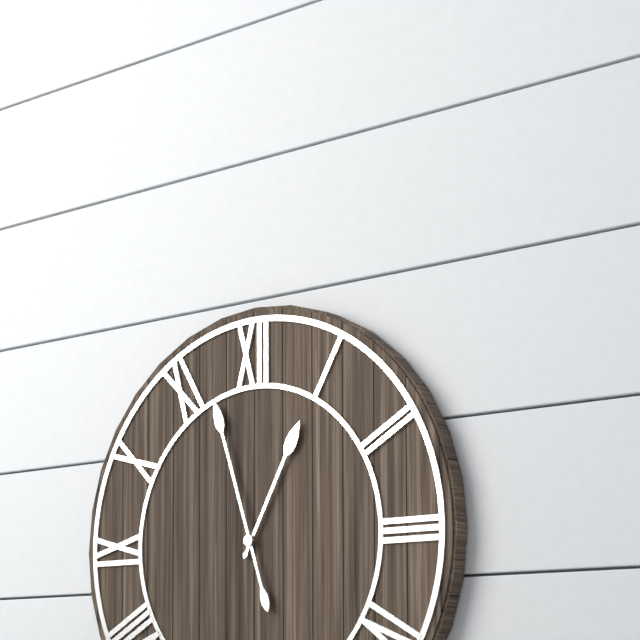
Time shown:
12,57
